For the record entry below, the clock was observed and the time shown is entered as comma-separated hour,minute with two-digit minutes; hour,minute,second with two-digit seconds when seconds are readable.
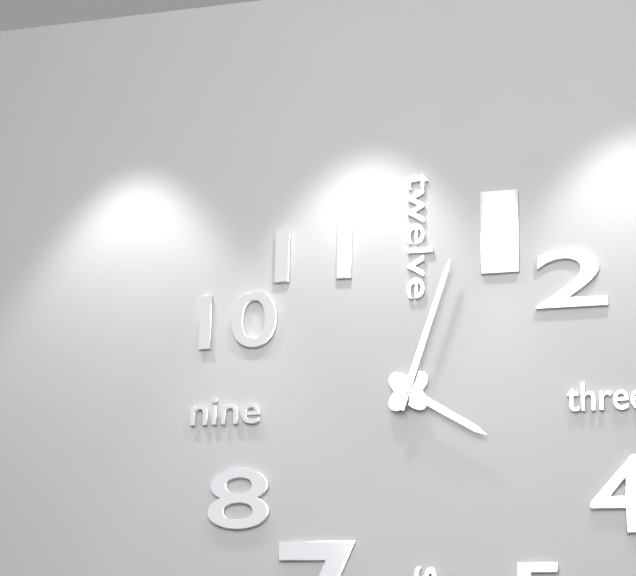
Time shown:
4,03
